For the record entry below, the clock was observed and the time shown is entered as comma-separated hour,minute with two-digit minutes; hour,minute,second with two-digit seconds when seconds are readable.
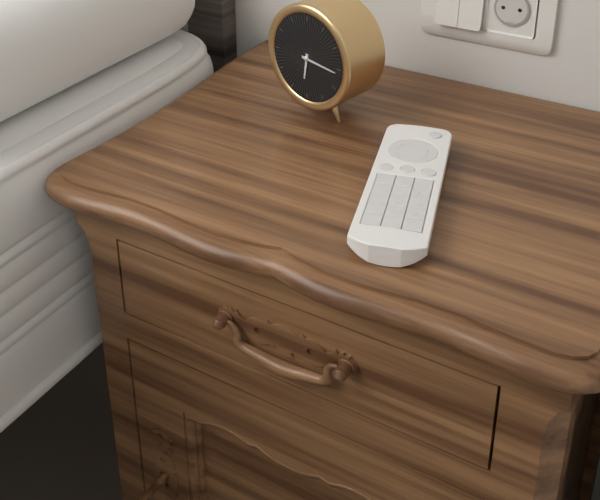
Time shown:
6,16
